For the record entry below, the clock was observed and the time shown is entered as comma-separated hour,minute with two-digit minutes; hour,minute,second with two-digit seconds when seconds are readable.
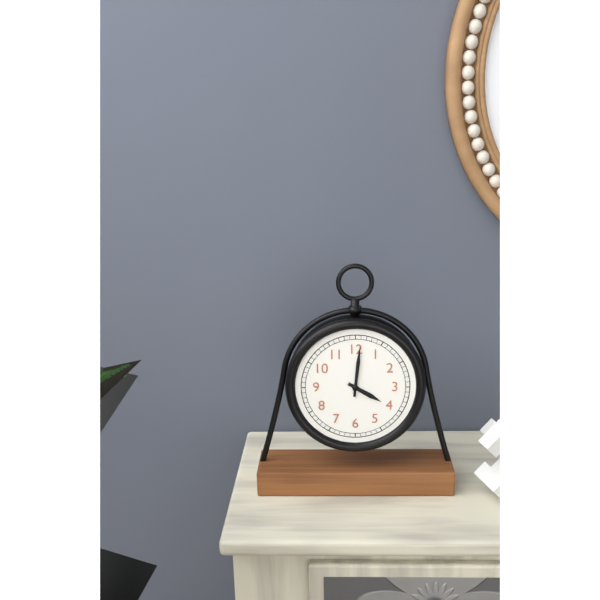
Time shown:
4,01
